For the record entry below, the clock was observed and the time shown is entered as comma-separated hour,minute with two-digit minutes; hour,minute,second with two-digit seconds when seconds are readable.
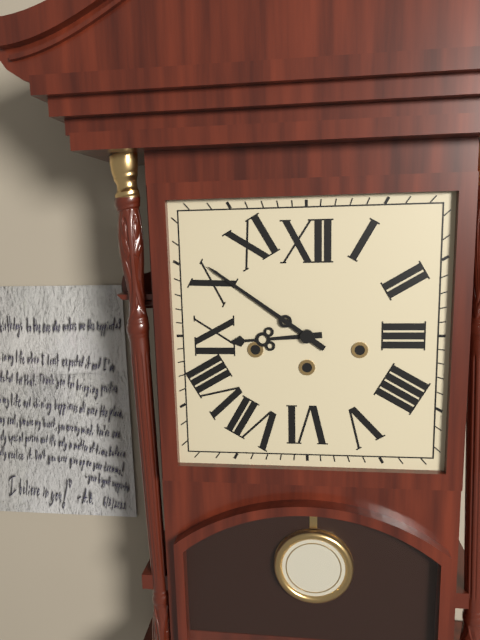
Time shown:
8,51
